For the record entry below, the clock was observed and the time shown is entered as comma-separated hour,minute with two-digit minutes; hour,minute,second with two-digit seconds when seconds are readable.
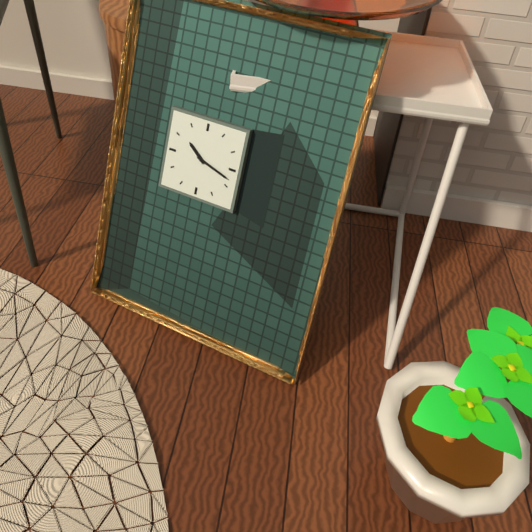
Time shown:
10,18
